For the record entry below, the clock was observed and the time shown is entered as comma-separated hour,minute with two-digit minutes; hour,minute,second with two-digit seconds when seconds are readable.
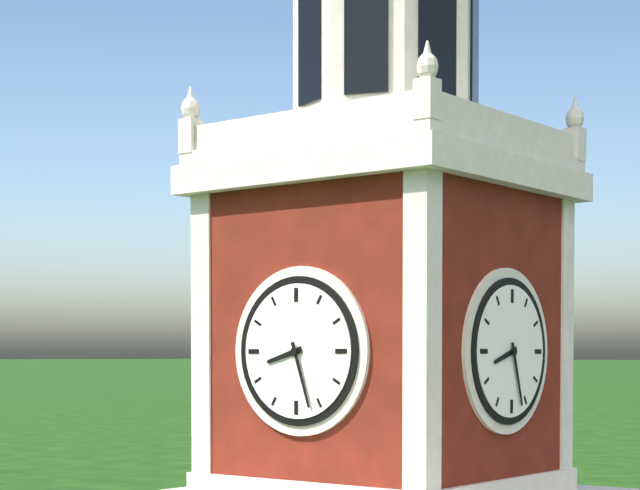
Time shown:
8,27
